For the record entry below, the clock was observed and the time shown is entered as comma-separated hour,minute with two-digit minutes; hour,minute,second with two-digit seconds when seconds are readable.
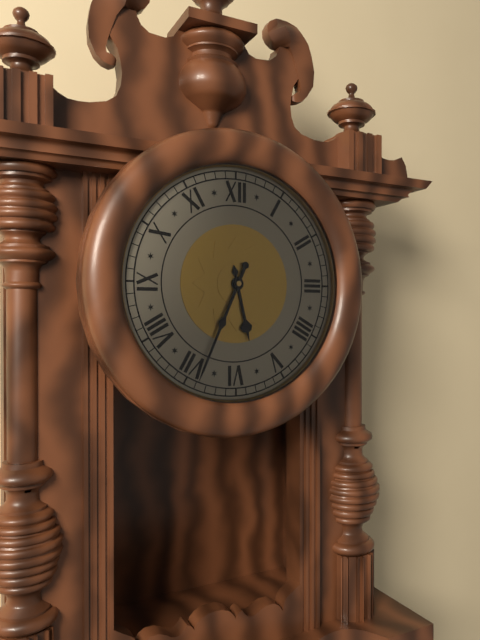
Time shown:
5,34
